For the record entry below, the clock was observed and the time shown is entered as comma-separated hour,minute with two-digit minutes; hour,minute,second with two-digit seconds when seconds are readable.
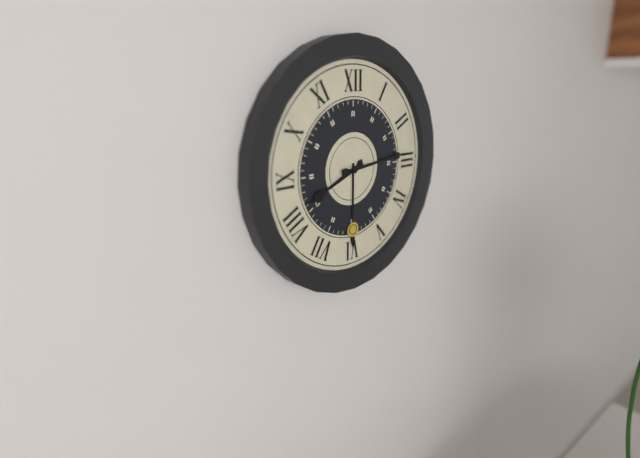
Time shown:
8,14
